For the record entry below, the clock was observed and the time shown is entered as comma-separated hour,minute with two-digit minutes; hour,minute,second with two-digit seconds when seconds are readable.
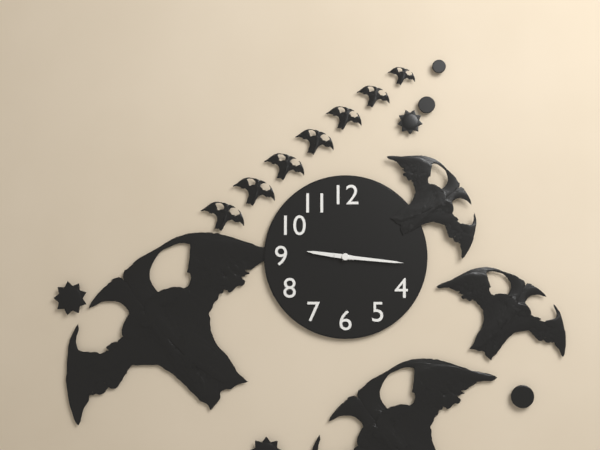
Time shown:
9,16
